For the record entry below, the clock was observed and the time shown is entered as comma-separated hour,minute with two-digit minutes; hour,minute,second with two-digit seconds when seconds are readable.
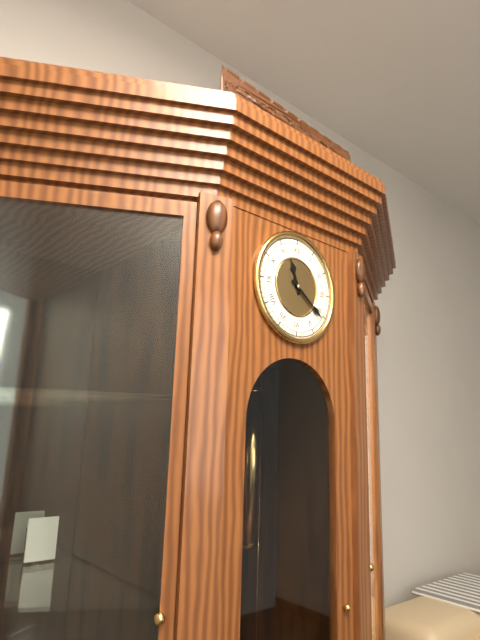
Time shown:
11,21
